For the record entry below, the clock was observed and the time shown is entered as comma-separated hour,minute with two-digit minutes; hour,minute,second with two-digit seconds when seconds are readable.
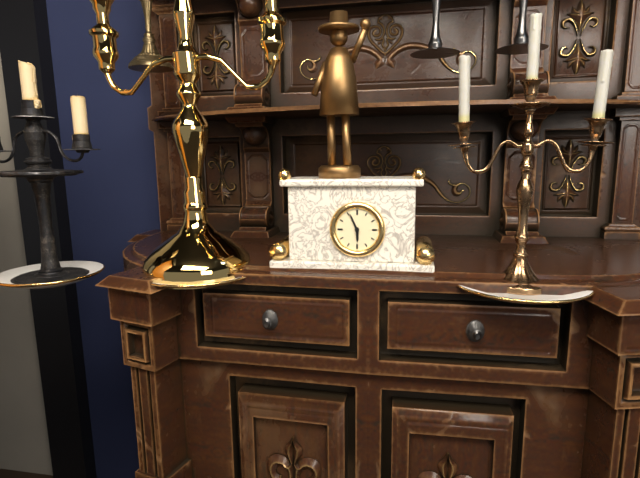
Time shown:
5,56
